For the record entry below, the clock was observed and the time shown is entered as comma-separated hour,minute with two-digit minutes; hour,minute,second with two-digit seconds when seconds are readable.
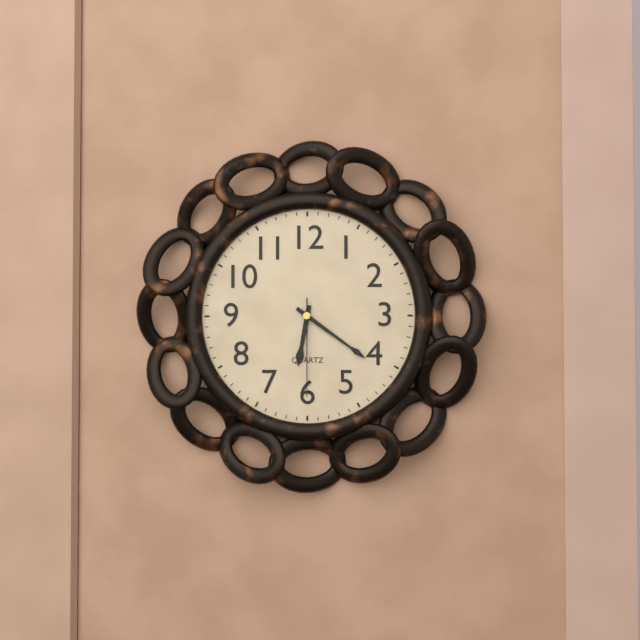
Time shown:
6,21,30
